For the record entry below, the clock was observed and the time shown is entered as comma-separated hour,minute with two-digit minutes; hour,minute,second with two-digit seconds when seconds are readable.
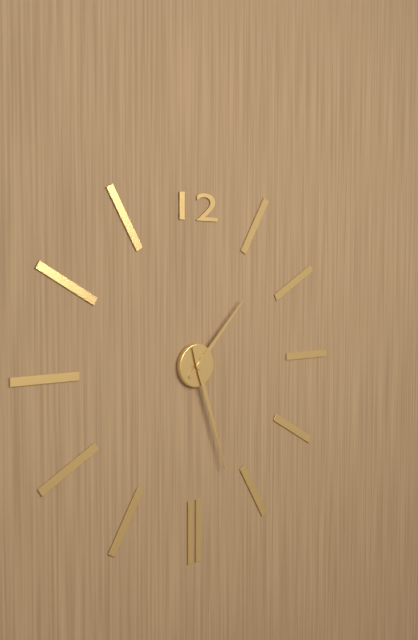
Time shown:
1,27
